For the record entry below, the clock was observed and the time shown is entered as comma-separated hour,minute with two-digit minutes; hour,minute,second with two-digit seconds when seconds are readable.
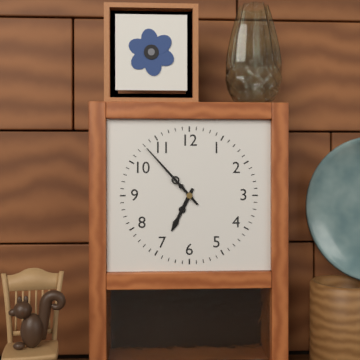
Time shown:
6,53
